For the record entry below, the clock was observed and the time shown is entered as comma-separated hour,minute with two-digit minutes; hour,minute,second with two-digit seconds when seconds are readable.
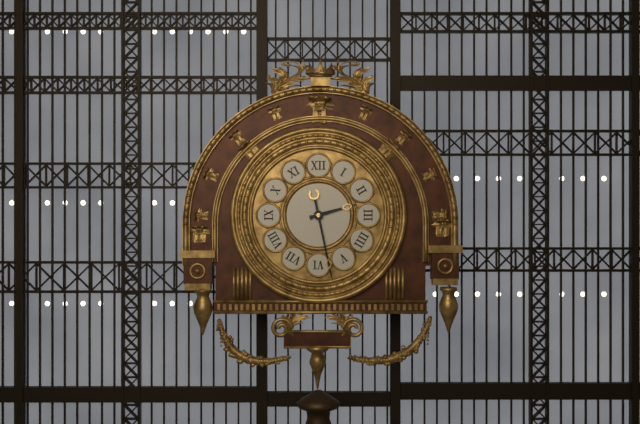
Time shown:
2,28
